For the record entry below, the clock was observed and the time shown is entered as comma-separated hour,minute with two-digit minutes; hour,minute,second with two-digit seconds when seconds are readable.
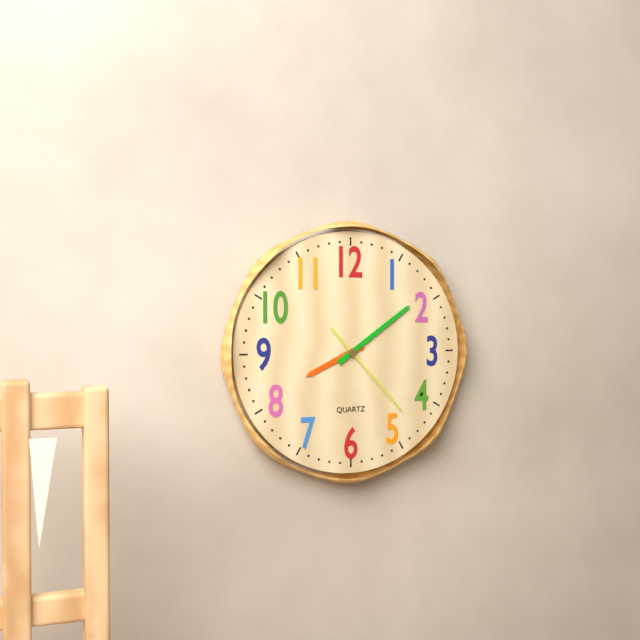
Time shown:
8,09,23
